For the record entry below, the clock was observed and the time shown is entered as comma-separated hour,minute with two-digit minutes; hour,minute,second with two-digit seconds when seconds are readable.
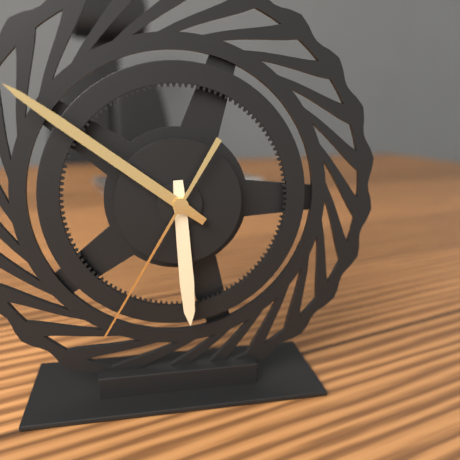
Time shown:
5,51,35
